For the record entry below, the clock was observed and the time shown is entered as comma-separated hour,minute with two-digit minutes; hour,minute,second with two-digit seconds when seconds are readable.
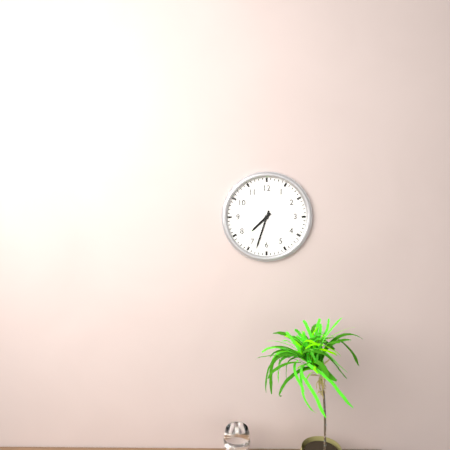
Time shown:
7,33
